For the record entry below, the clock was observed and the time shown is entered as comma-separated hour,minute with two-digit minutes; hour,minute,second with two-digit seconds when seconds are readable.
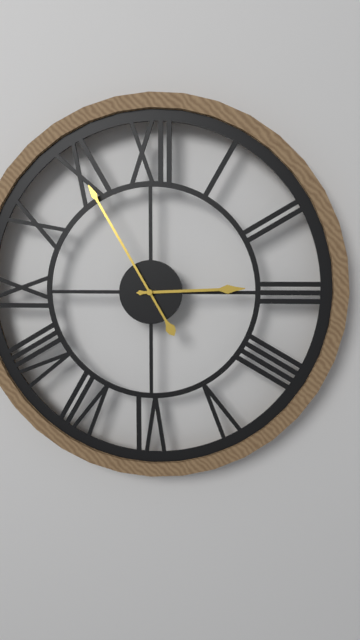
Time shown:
2,55
